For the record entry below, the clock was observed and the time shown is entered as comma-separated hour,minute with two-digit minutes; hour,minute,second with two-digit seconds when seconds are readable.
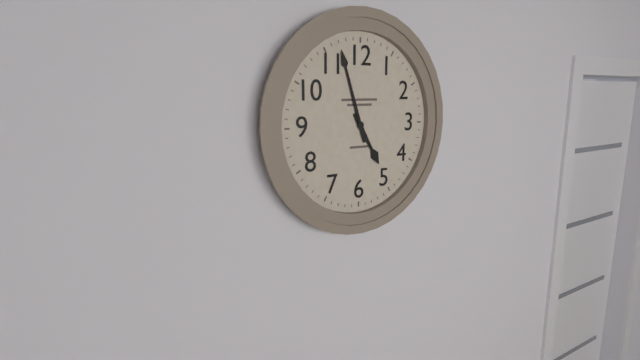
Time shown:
4,57
